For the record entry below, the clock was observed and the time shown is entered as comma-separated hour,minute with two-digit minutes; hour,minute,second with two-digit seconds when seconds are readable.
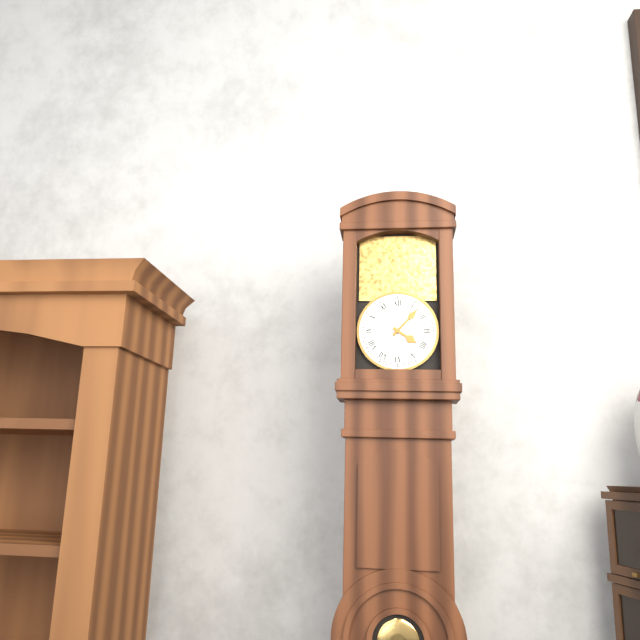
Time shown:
4,07
